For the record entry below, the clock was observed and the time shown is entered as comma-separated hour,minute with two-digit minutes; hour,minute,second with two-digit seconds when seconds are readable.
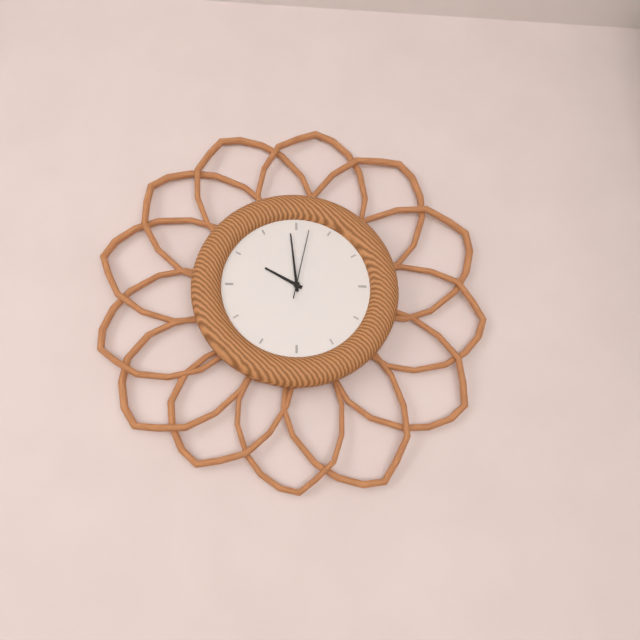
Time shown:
9,59,02
